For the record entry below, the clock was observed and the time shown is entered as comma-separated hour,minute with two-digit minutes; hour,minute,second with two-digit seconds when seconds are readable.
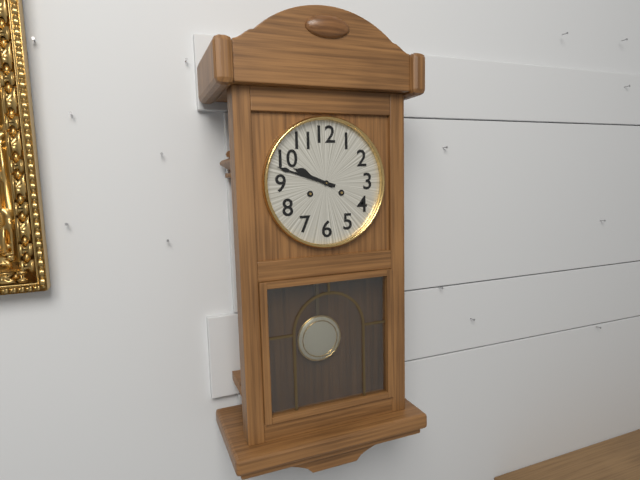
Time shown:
9,48
